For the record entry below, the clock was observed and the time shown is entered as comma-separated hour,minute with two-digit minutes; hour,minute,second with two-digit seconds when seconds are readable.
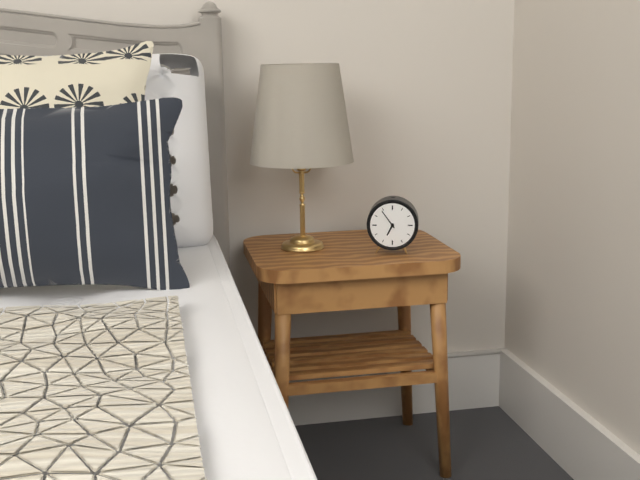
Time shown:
6,54
